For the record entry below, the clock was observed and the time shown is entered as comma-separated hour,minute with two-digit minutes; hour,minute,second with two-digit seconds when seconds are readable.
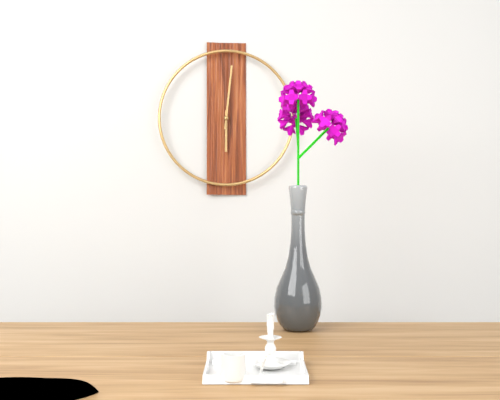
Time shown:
6,01
